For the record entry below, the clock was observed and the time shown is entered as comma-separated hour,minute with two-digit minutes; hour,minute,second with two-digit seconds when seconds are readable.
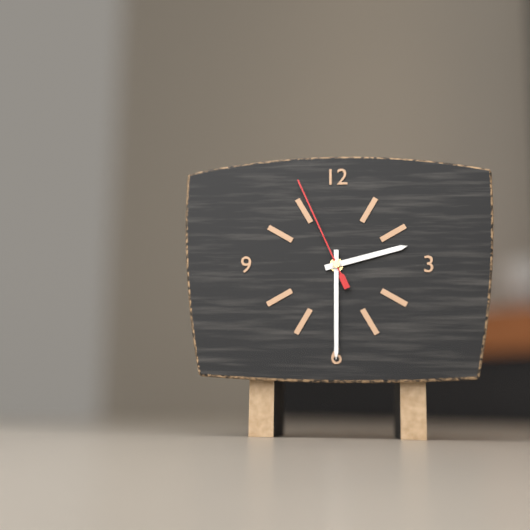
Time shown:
2,30,56
